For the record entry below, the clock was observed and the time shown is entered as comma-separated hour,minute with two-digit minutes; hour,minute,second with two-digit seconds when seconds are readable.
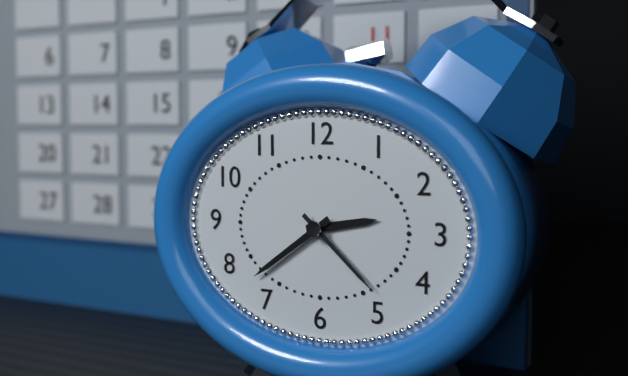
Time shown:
2,39,22
